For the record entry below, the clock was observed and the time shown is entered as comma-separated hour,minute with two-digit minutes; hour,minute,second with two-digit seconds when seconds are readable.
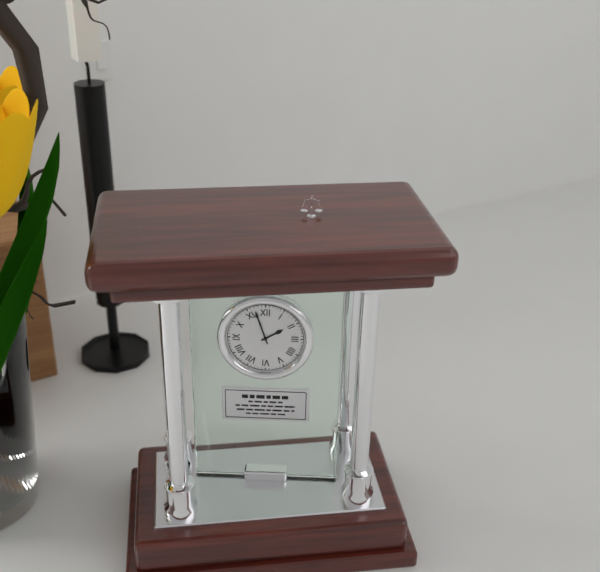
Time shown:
1,57
